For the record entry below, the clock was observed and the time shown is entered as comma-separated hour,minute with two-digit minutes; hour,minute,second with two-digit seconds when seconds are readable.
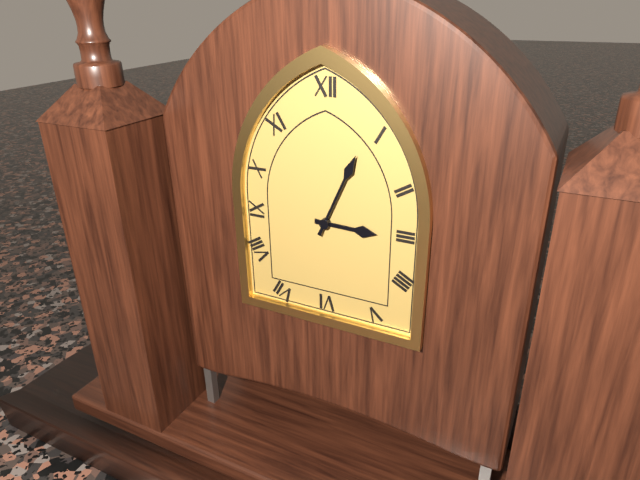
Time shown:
3,04
